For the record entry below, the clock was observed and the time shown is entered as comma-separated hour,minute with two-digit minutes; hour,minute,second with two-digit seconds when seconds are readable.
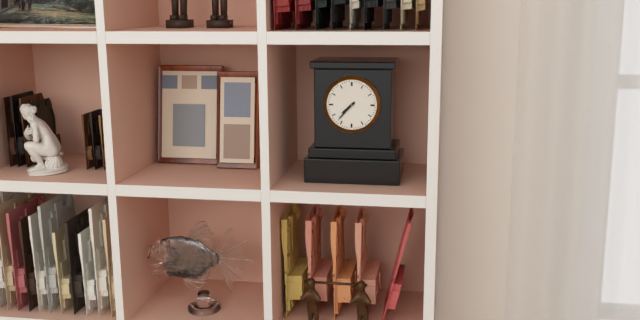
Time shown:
7,37
